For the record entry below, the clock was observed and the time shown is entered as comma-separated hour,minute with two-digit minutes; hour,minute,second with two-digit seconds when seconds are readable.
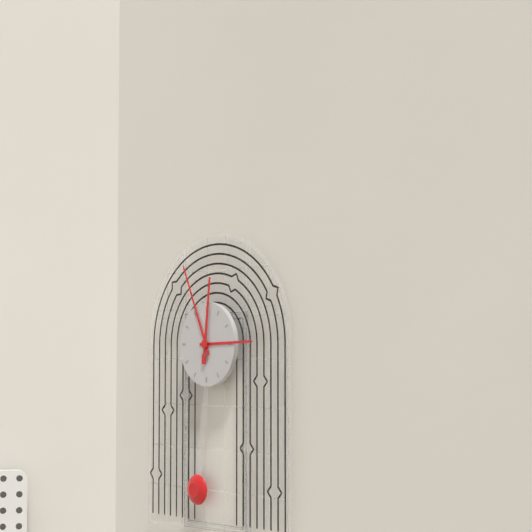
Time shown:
2,56,01
